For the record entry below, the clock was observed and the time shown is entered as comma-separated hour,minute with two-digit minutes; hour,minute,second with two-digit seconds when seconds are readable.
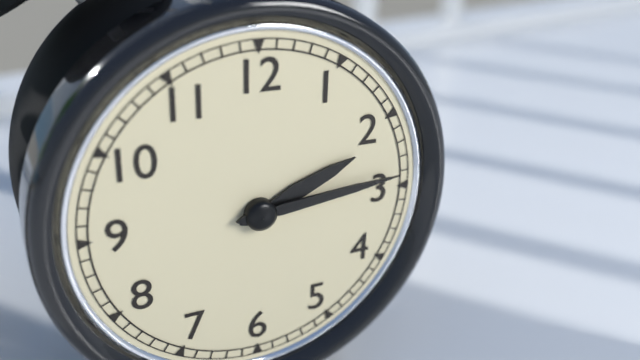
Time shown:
2,14
